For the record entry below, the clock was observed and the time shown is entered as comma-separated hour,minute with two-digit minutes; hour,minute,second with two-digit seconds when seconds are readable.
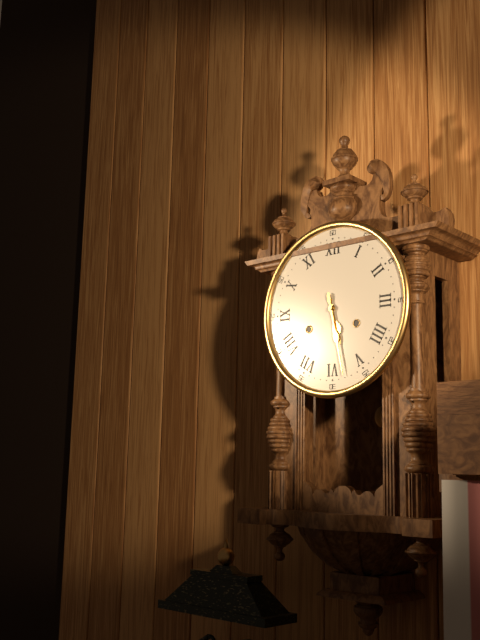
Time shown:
5,28
